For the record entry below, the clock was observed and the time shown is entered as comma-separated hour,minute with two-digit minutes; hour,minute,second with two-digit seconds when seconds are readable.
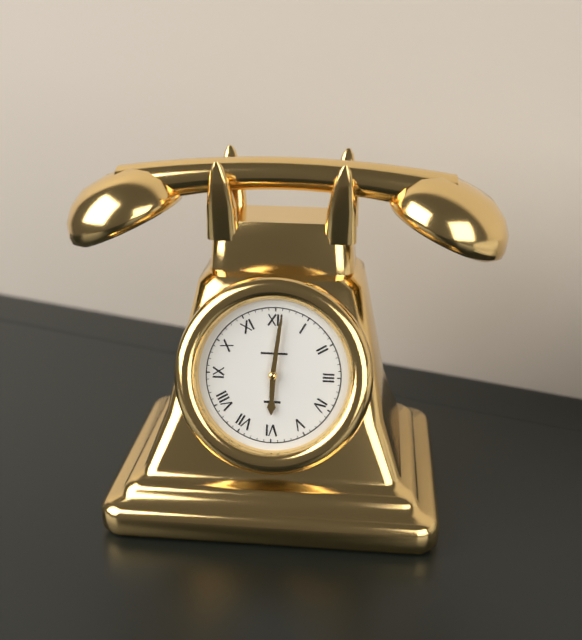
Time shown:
6,01
